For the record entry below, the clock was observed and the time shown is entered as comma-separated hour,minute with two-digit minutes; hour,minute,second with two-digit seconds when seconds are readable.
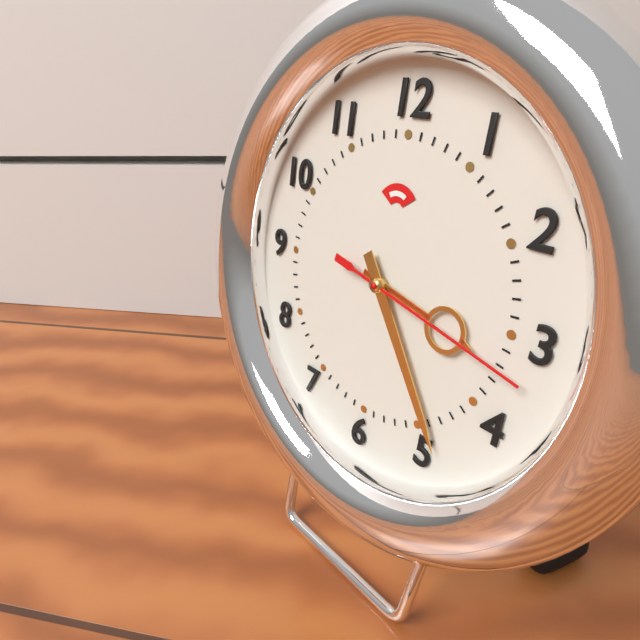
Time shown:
3,24,17
